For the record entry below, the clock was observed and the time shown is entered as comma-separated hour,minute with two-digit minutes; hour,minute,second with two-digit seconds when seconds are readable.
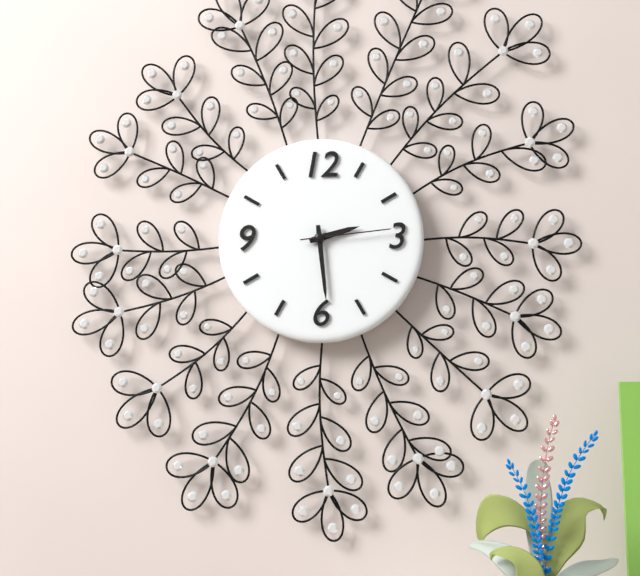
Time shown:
2,29,14
